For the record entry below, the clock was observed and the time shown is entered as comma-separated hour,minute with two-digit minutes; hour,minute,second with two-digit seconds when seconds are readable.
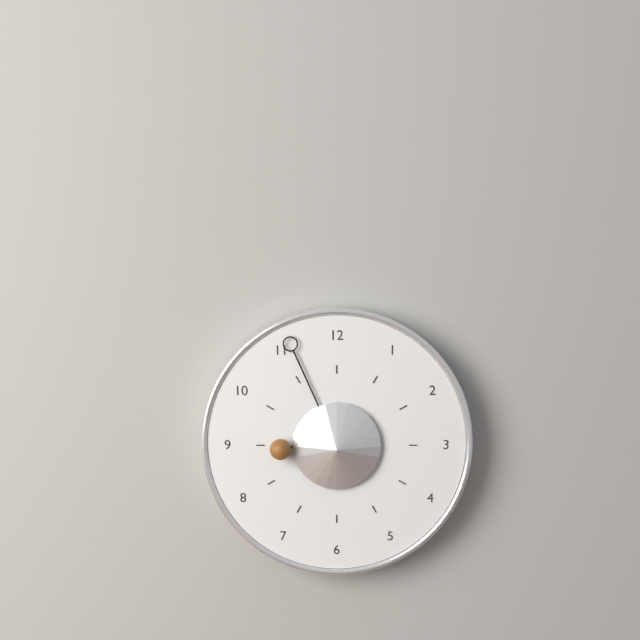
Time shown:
8,56
